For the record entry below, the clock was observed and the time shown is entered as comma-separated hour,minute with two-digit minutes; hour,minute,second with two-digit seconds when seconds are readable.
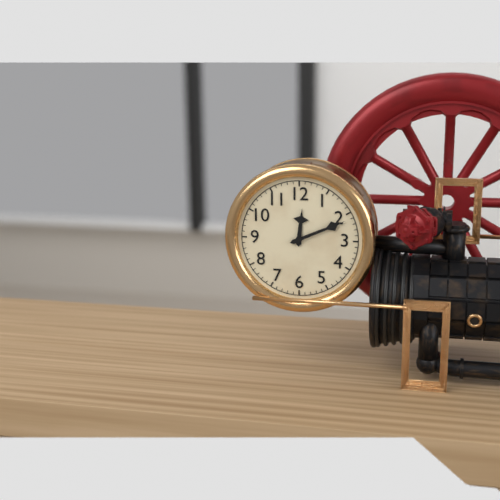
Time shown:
12,11
